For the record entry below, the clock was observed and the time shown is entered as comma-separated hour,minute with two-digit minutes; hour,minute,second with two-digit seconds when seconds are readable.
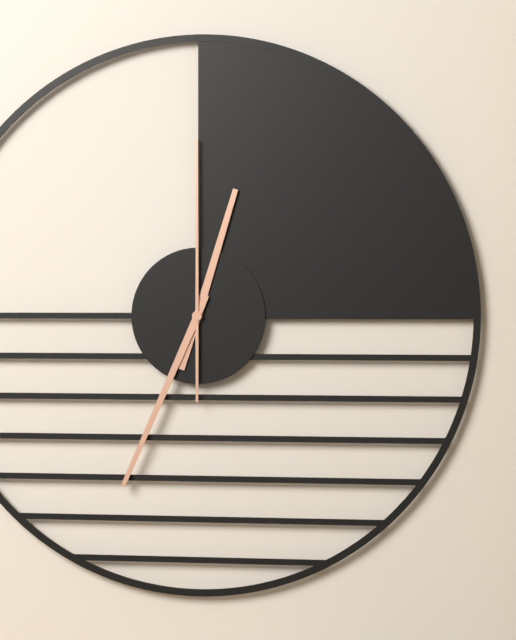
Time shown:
12,34,00
